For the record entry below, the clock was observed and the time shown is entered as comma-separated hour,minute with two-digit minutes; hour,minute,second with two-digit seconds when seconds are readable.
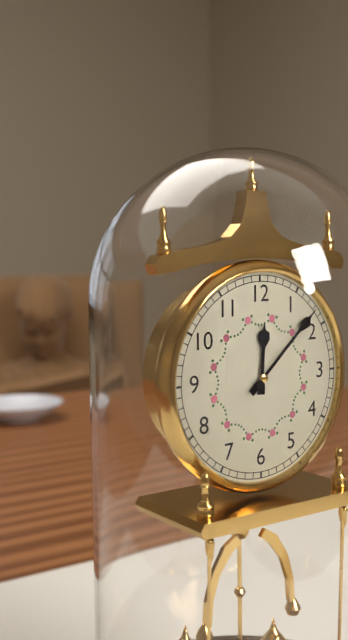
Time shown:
12,08
